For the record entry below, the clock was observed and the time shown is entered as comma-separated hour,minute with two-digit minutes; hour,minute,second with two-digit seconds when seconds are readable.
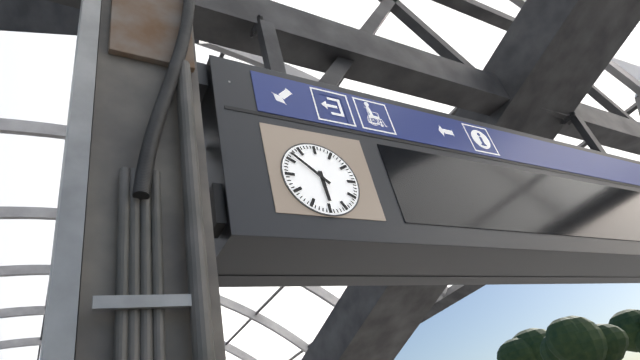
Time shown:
5,52
